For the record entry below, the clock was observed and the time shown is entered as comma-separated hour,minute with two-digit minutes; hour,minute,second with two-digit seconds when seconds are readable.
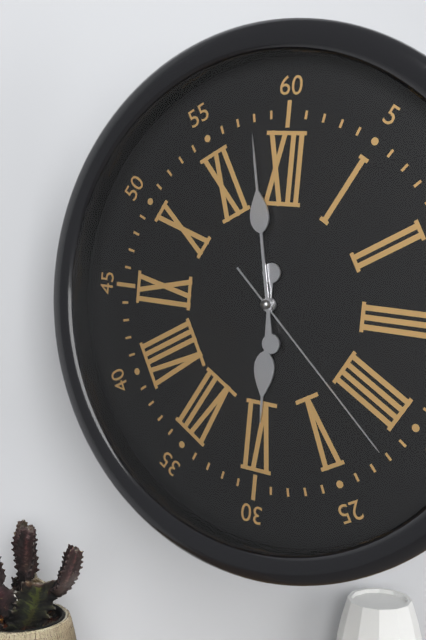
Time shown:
5,58,22
